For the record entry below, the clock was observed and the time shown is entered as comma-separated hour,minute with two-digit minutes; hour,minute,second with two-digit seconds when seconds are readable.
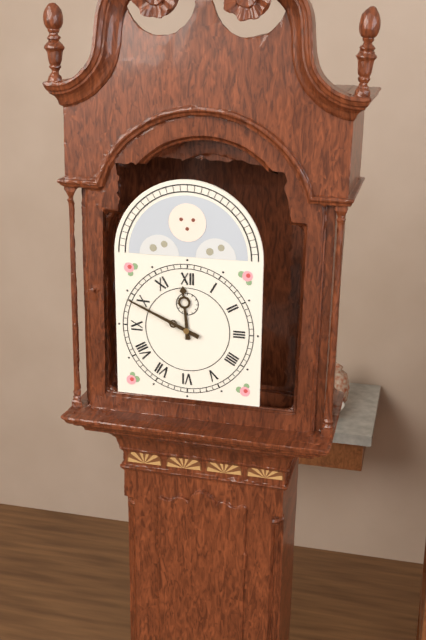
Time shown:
11,49
